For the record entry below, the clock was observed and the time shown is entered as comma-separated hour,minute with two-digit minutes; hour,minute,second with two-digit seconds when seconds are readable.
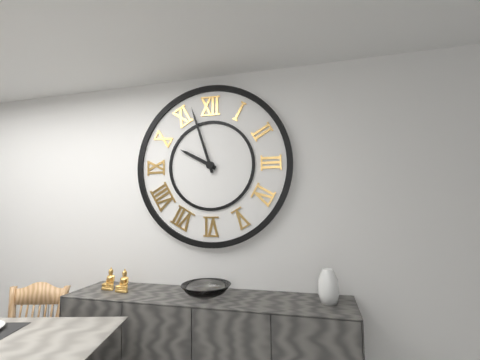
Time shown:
9,57
